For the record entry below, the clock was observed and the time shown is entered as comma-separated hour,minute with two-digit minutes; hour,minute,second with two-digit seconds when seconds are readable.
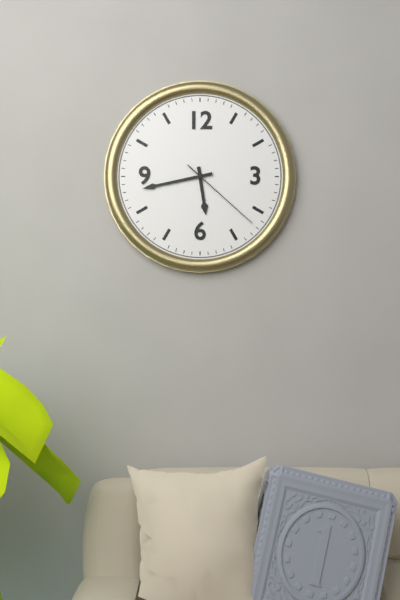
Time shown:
5,43,22
